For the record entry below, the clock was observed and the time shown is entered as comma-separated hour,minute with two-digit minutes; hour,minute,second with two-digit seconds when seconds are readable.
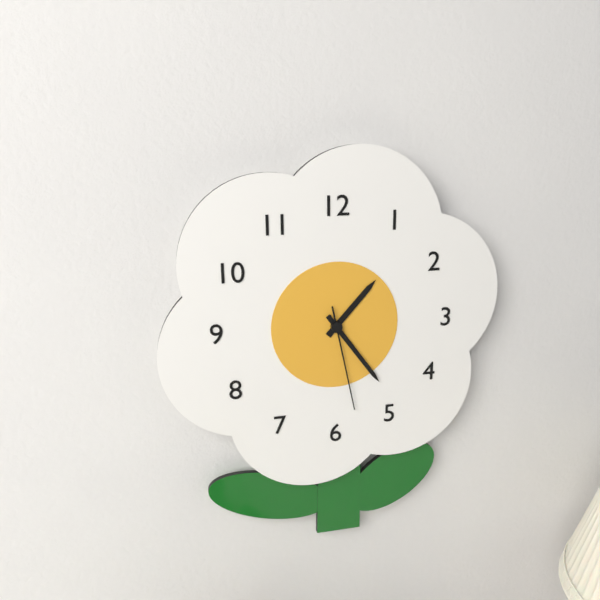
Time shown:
1,24,28
